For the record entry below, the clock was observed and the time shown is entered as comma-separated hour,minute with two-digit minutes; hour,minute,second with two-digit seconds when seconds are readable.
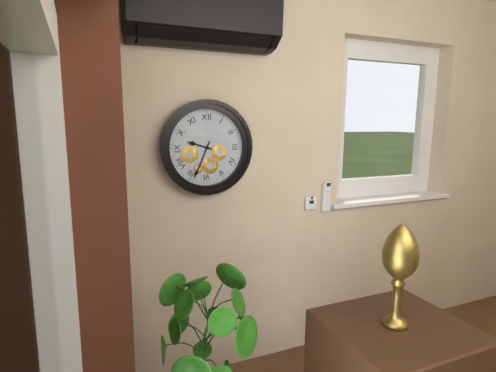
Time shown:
9,34
